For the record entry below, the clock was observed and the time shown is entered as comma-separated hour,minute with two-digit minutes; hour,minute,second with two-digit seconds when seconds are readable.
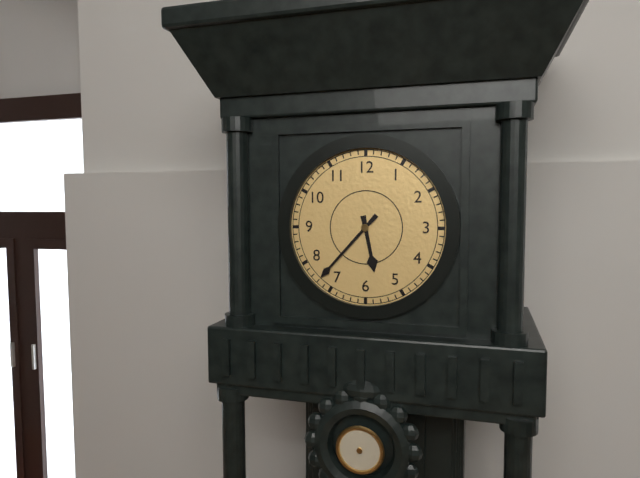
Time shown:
5,37
